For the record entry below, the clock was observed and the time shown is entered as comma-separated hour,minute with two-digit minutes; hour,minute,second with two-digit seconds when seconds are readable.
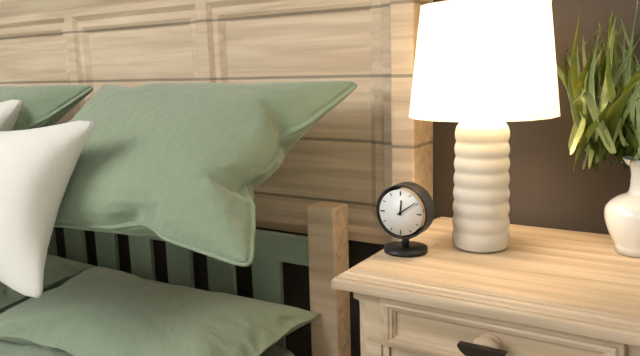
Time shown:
12,09
